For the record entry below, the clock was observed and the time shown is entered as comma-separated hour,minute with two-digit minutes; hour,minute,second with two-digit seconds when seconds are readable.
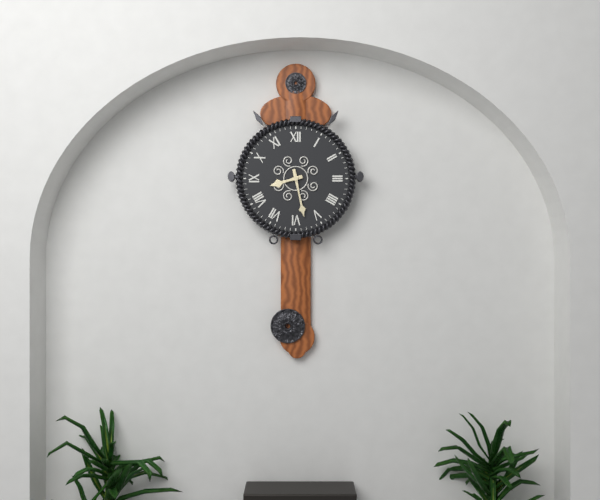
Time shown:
8,28
